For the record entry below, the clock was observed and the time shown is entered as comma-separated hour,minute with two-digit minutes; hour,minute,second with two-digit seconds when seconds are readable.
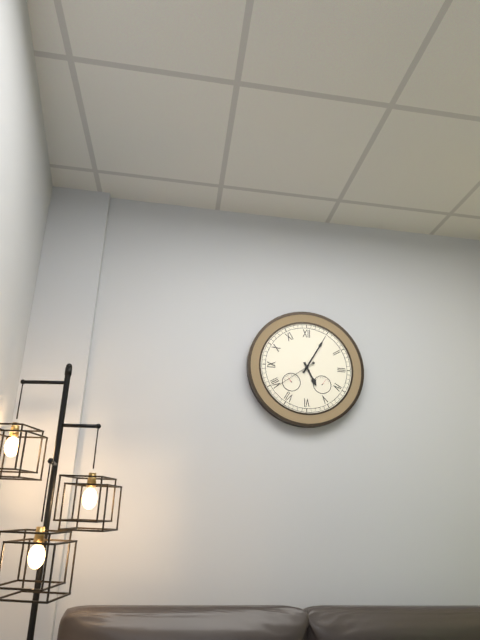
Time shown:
5,05
